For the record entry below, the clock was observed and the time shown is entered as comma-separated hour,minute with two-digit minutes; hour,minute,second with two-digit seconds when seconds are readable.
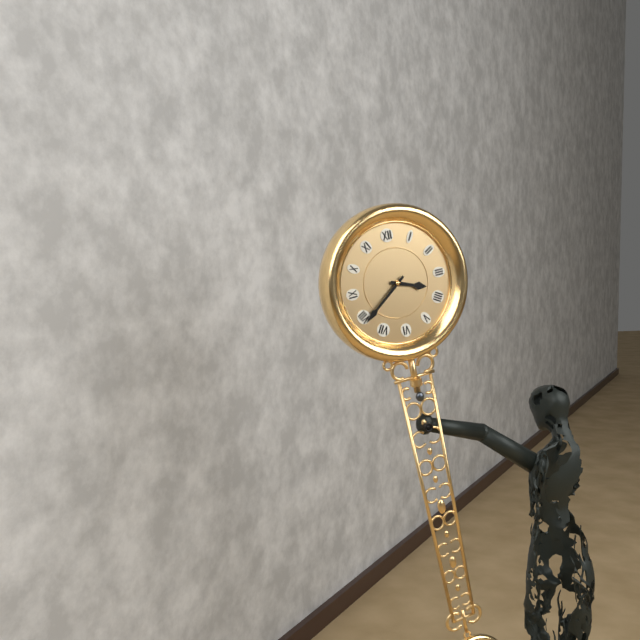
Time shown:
3,39
